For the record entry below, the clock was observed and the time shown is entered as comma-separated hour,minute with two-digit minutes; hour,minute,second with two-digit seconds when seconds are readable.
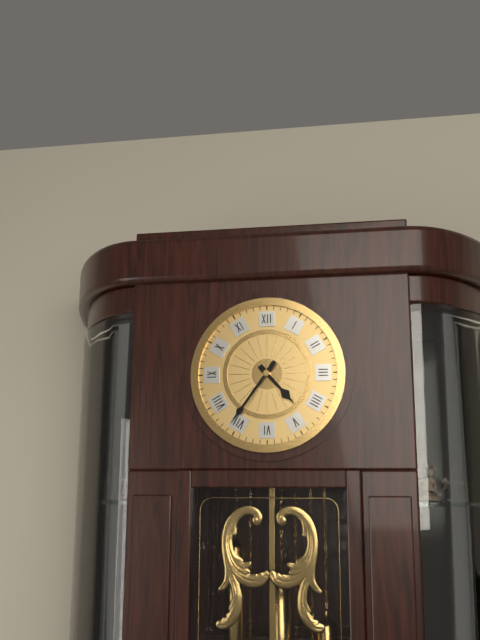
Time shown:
4,36
